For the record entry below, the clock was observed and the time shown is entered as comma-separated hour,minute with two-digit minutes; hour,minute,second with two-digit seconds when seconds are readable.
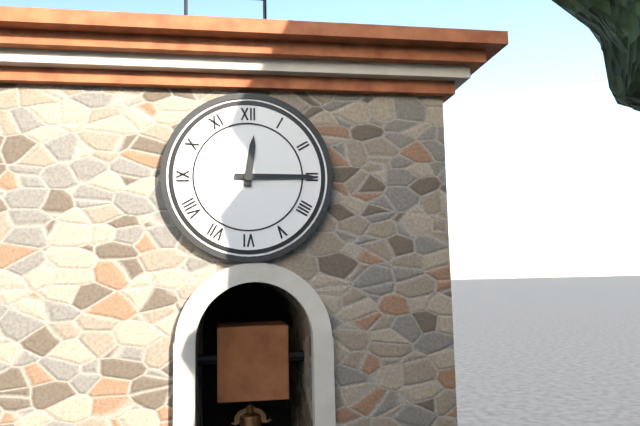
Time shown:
12,15
